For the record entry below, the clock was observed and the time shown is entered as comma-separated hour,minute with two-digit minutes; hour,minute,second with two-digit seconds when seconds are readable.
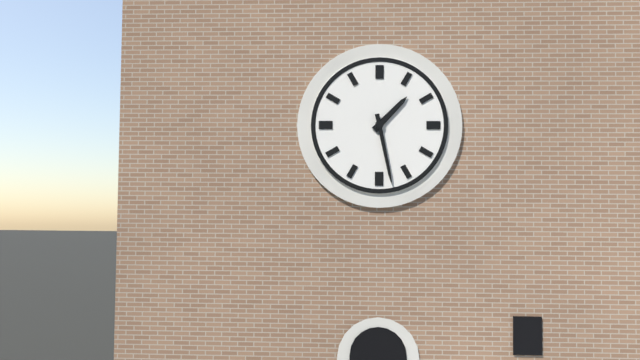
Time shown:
1,28
